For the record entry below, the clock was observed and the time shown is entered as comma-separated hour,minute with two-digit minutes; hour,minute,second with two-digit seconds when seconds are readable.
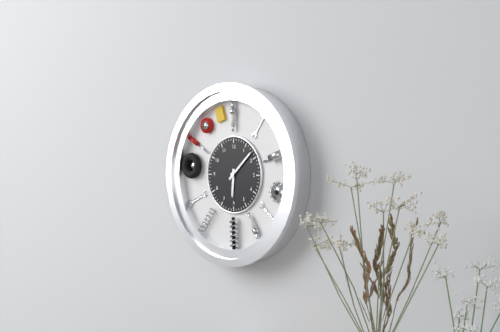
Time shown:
6,08
